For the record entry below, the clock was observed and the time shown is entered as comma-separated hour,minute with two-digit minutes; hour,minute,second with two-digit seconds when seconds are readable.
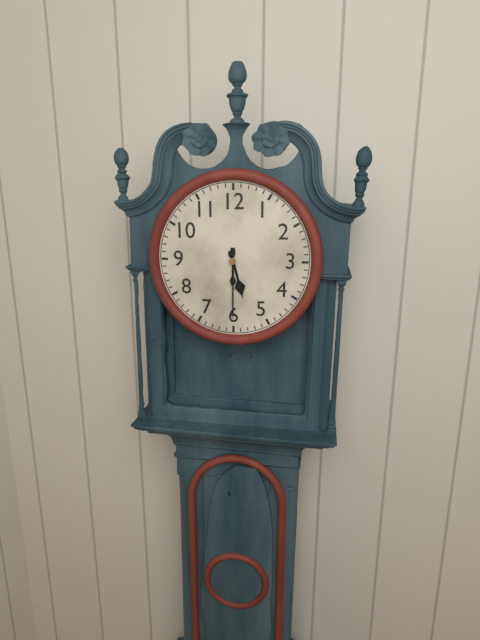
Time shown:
5,30
